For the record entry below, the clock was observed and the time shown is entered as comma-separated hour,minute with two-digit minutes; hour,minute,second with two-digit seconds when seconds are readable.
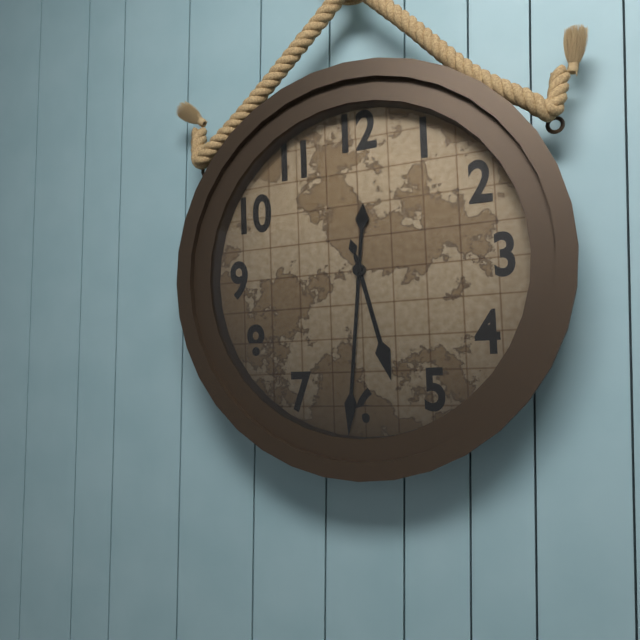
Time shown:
5,31
